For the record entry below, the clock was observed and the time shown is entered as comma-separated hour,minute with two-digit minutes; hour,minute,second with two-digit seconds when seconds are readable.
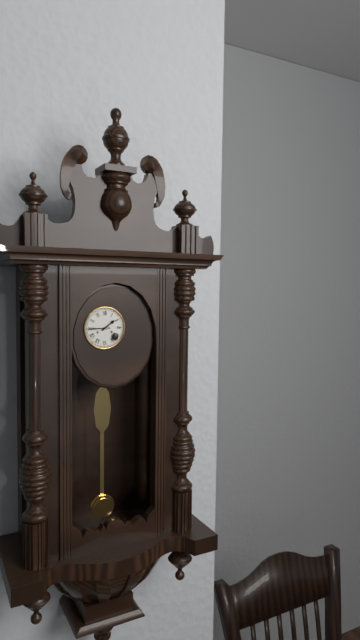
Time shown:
1,45
